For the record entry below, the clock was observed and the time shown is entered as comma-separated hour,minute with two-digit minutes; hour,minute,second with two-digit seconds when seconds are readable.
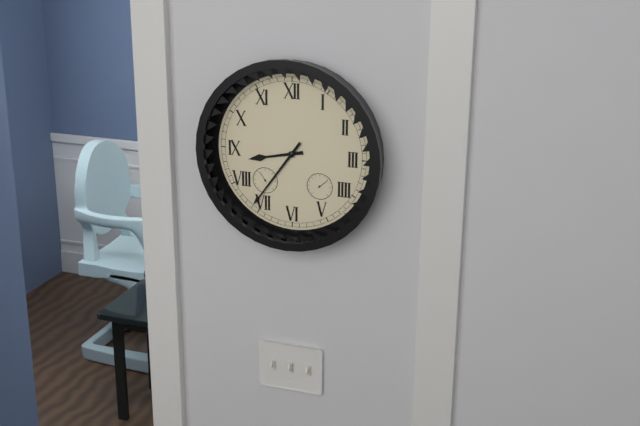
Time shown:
8,36
